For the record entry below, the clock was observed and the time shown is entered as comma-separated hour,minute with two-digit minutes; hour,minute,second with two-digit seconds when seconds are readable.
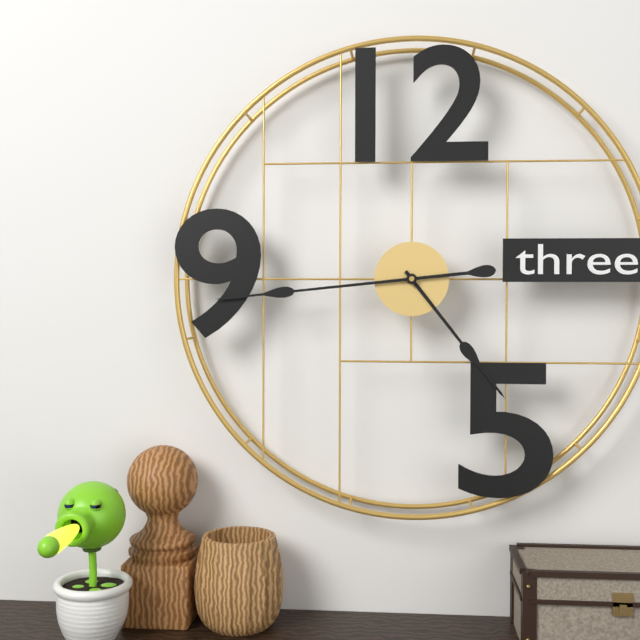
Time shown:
4,44
